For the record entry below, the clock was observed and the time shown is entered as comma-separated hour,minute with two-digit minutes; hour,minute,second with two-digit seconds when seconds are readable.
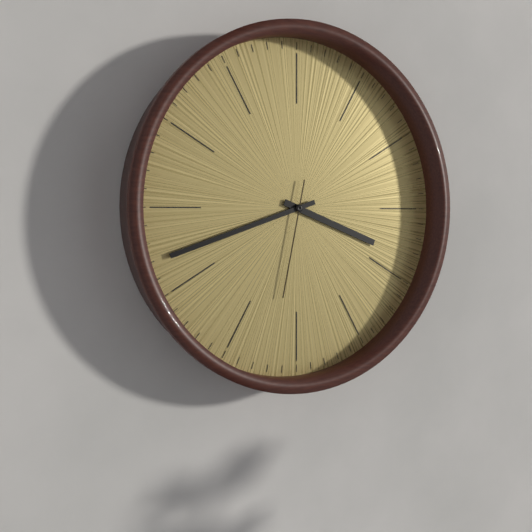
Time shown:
3,42,32
